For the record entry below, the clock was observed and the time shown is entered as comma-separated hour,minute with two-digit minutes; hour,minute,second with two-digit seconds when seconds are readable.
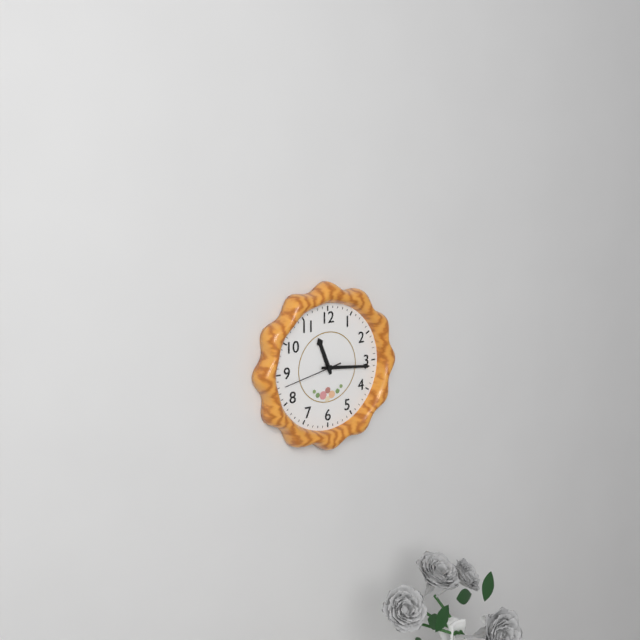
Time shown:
11,16,43
